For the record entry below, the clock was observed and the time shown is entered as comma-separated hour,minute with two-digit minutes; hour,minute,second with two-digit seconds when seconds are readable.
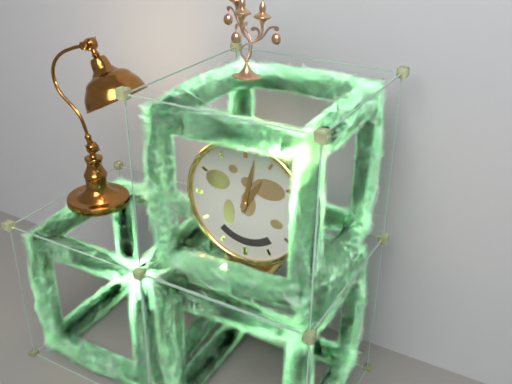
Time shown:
1,02
